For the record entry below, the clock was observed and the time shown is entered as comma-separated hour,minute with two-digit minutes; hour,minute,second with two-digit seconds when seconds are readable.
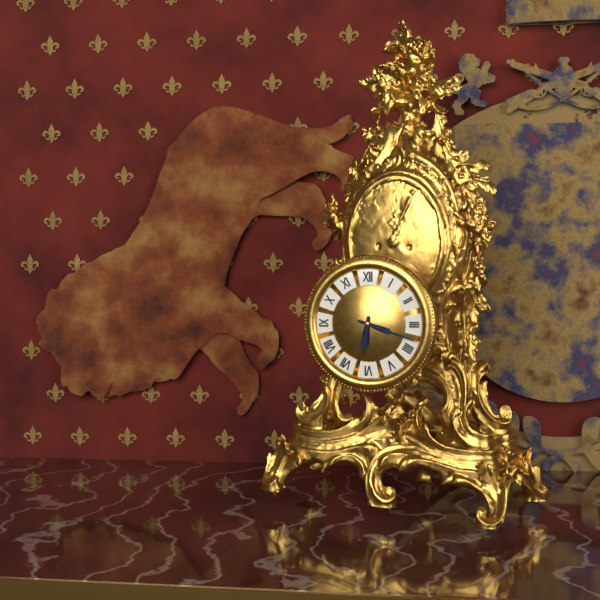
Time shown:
6,18
